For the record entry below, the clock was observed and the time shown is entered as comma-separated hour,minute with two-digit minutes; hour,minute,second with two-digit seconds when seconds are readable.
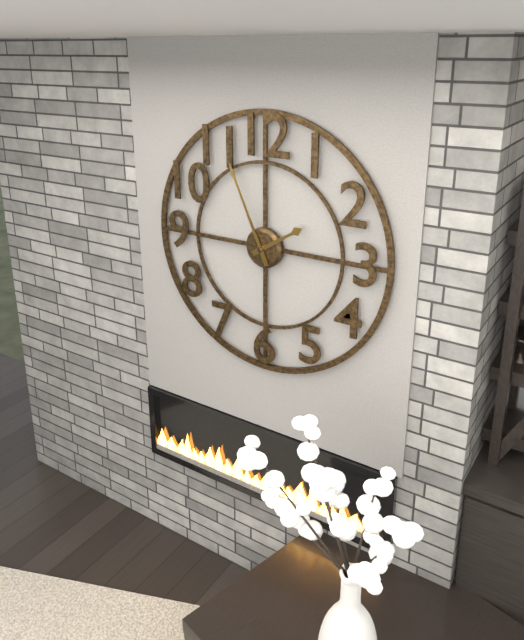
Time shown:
1,56
